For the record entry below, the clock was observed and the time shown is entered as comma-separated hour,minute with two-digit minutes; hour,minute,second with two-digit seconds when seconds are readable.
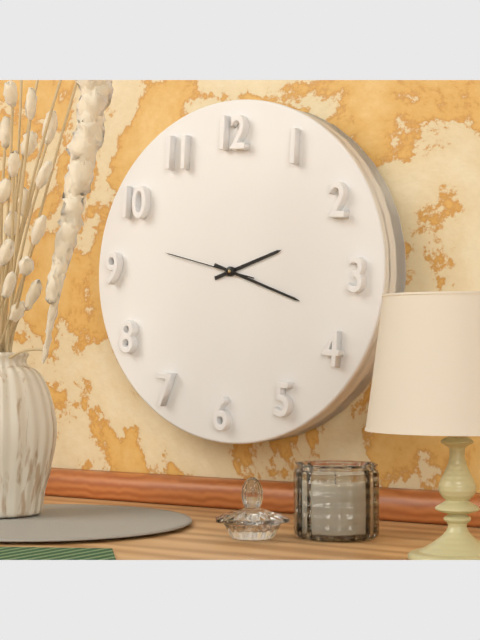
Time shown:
2,18,47
